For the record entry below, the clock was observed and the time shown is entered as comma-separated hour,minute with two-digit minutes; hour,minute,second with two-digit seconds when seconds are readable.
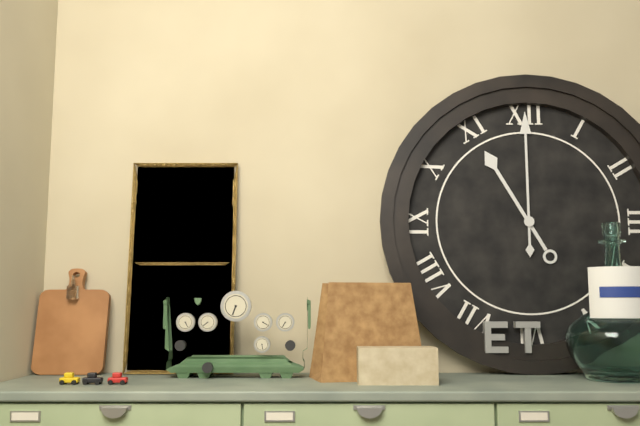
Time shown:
11,00
